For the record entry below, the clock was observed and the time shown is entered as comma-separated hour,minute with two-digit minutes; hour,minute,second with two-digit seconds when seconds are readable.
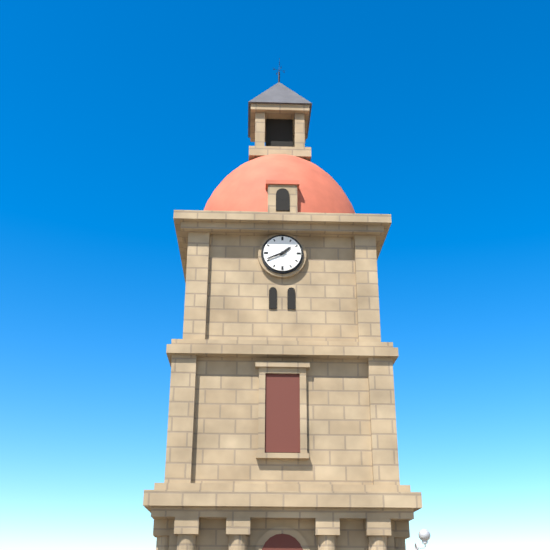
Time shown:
1,41
